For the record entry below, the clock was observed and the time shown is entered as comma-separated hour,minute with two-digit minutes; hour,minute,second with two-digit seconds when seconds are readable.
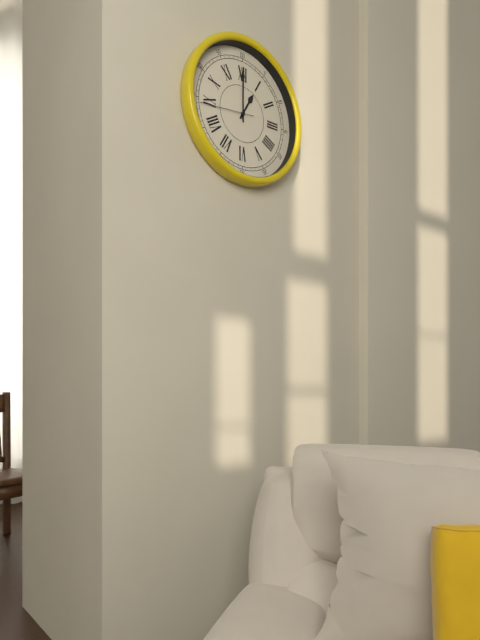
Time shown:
1,00,44
